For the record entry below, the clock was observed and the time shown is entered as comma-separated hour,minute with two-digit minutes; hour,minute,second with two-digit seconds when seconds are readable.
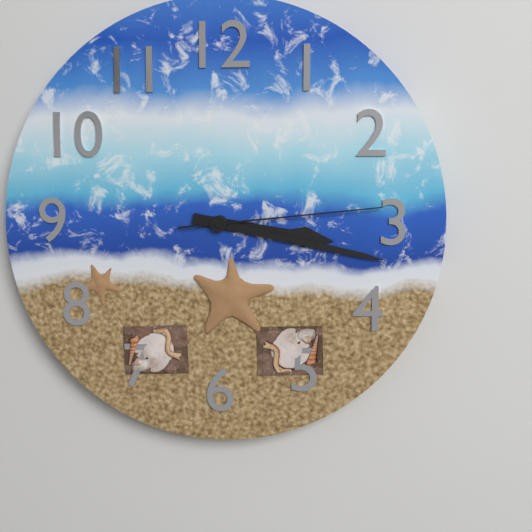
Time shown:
3,17,14
